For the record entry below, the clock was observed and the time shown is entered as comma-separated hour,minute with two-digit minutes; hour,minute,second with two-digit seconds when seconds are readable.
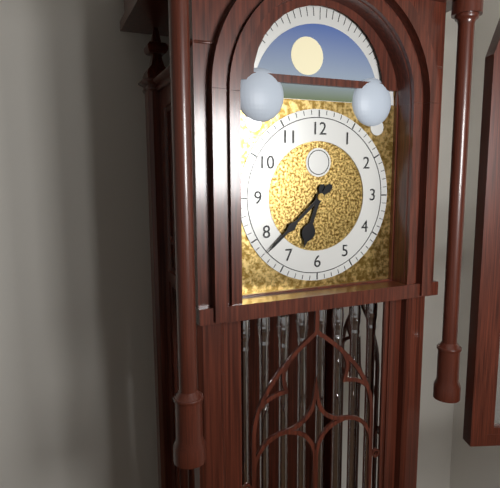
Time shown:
6,38
